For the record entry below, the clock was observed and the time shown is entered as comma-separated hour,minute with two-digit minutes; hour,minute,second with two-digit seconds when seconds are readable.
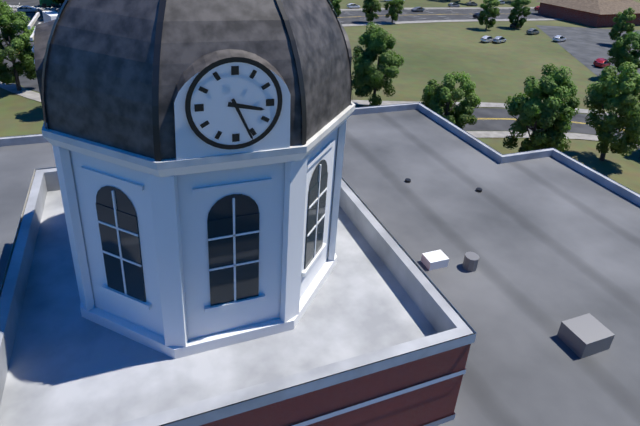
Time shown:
3,26
